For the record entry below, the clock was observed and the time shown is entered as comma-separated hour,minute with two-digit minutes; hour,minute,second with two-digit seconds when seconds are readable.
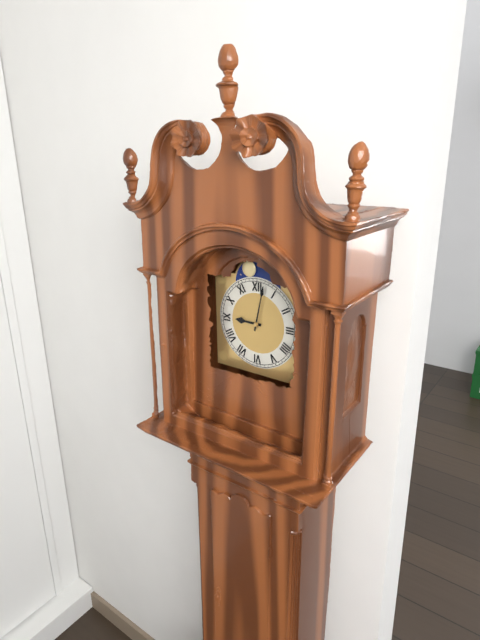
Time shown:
9,02
